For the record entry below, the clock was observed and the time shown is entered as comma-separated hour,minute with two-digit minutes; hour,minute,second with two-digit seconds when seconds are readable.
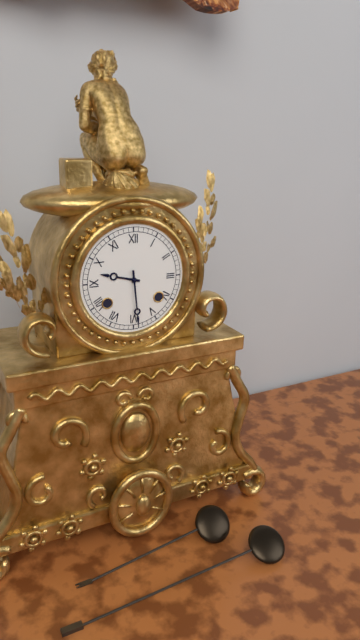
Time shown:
9,29
